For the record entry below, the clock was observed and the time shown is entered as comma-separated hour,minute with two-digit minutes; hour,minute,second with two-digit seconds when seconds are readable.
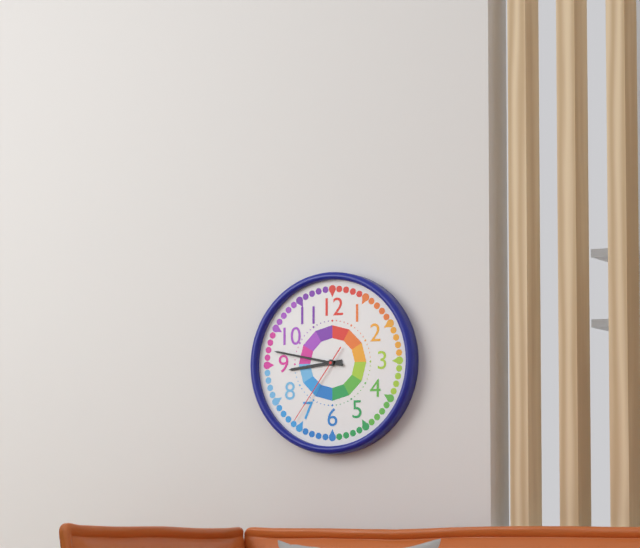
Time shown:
8,47,36
